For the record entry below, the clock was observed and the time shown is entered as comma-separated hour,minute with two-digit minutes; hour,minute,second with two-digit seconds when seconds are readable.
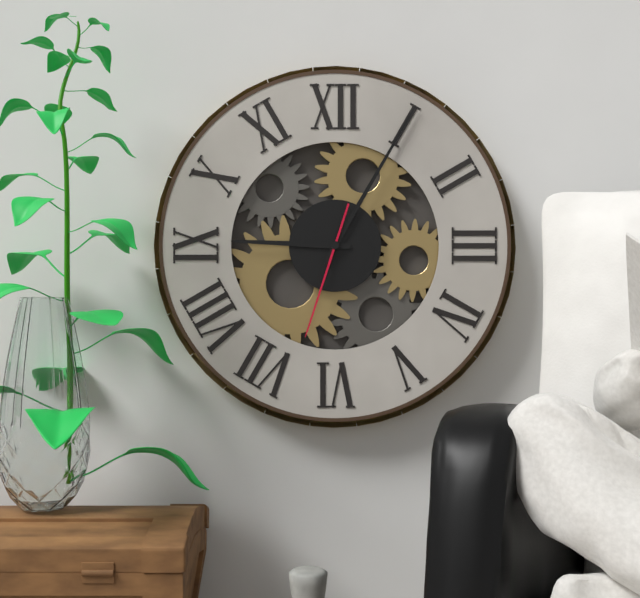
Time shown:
9,05,33
